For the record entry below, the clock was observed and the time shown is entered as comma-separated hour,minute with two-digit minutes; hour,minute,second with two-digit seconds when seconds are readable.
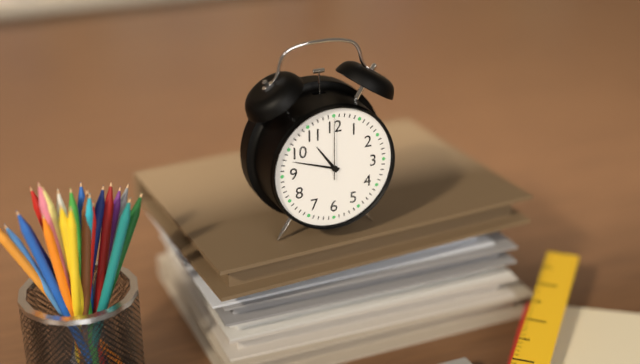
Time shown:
10,48,00
